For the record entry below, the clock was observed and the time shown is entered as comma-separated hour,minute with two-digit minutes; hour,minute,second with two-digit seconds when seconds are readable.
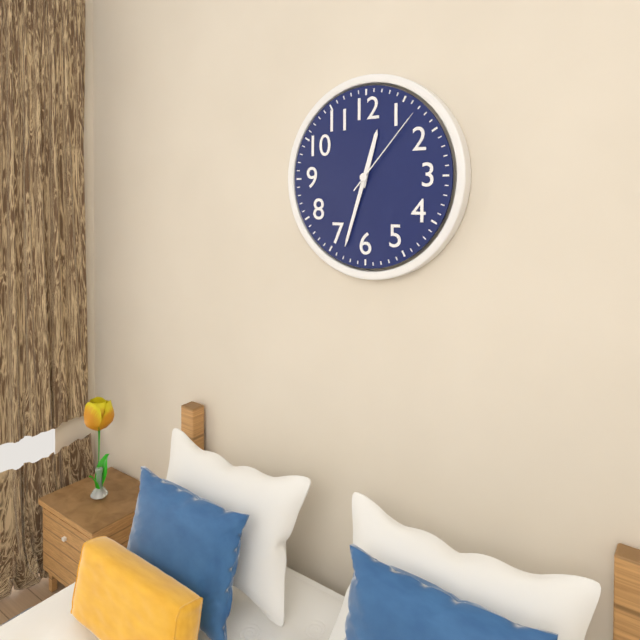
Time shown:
12,33,07
